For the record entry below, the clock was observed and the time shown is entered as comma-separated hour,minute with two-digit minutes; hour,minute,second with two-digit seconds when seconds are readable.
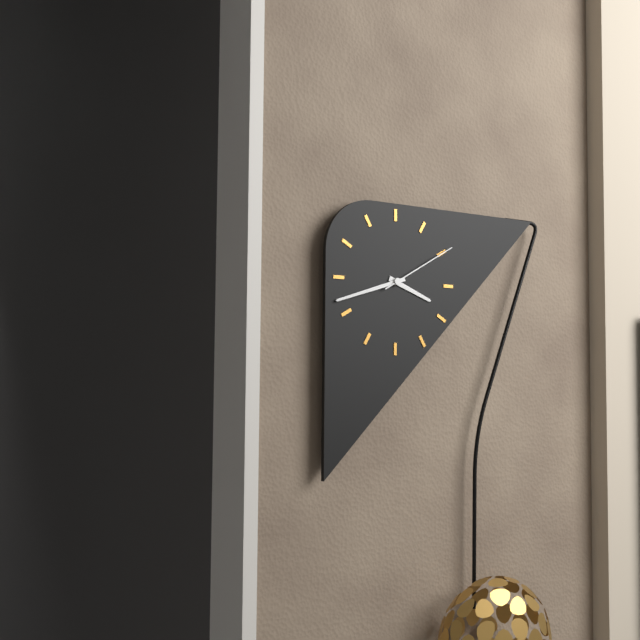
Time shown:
3,42,10
